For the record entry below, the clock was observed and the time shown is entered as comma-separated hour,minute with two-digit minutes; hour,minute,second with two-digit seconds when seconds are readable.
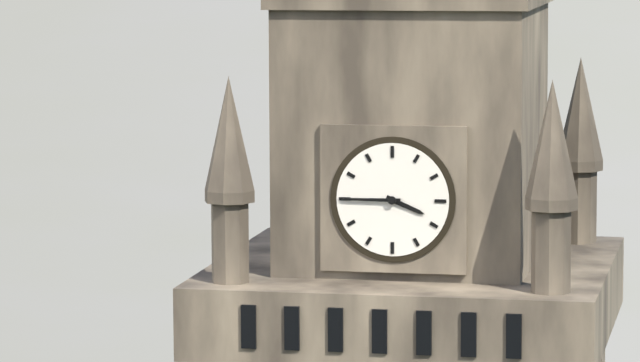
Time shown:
3,45
